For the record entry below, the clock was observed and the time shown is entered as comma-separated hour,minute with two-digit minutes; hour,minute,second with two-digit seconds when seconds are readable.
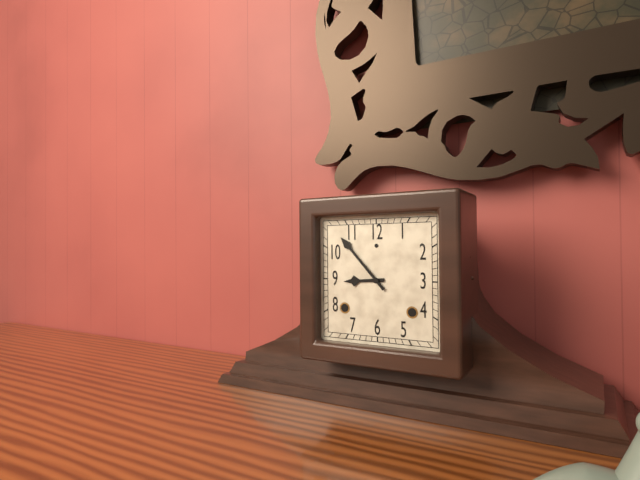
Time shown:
8,53
